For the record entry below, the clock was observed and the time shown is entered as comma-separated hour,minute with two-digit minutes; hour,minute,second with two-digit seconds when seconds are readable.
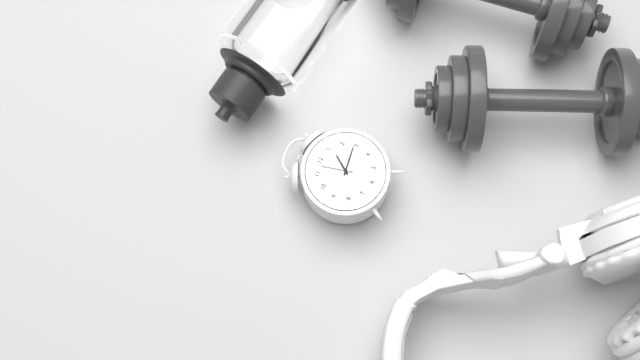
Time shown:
1,14
